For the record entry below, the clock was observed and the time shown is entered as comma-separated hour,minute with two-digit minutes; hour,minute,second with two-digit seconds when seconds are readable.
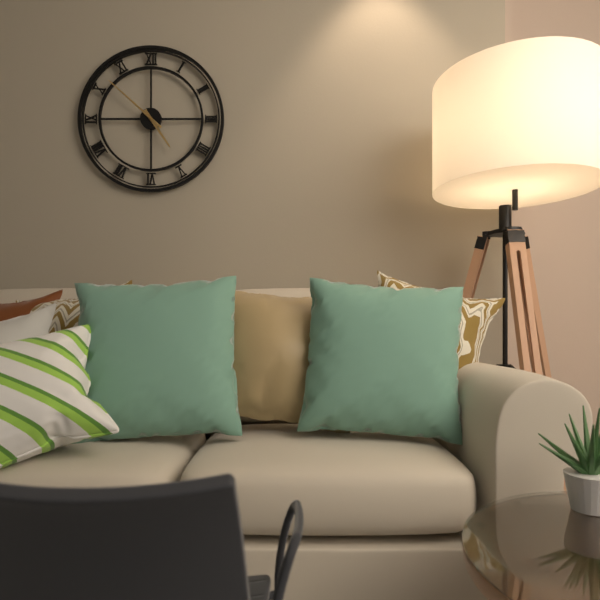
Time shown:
4,52
